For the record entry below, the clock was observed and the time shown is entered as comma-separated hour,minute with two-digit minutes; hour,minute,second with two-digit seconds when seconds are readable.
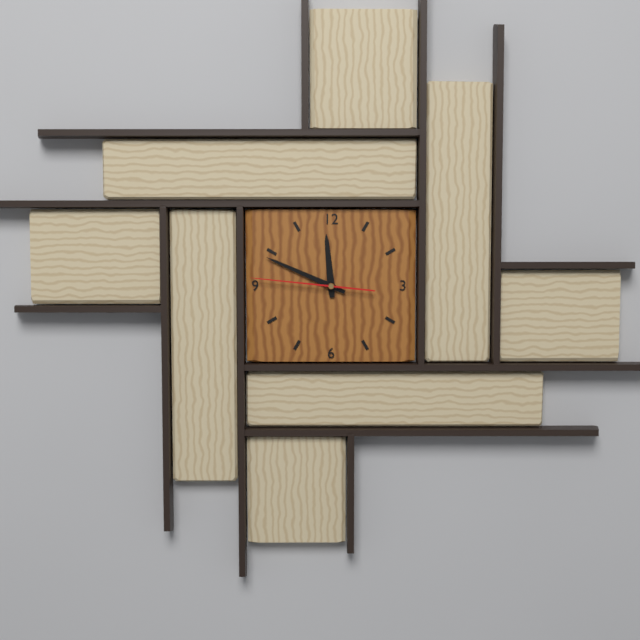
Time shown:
11,49,46
